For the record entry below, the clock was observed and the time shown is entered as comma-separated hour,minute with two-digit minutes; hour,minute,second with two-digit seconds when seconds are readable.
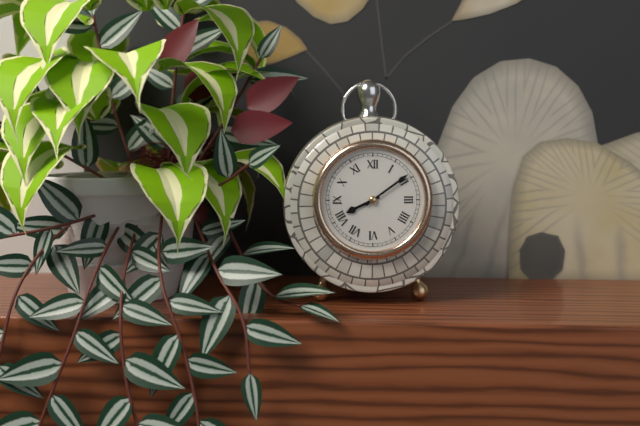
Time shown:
8,09
